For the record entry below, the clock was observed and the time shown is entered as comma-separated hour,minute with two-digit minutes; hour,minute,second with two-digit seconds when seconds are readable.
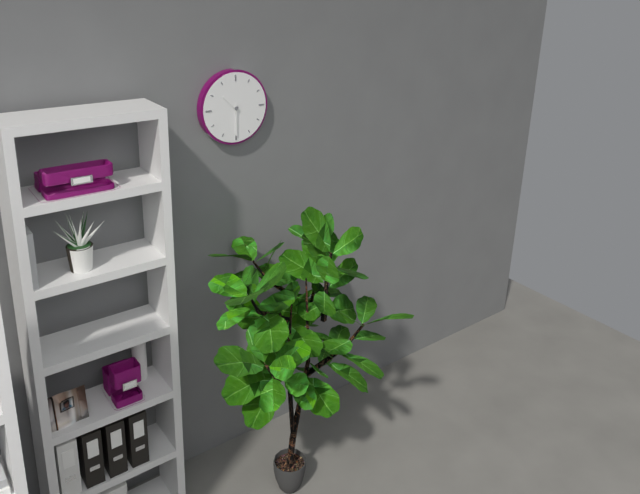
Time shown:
10,30
